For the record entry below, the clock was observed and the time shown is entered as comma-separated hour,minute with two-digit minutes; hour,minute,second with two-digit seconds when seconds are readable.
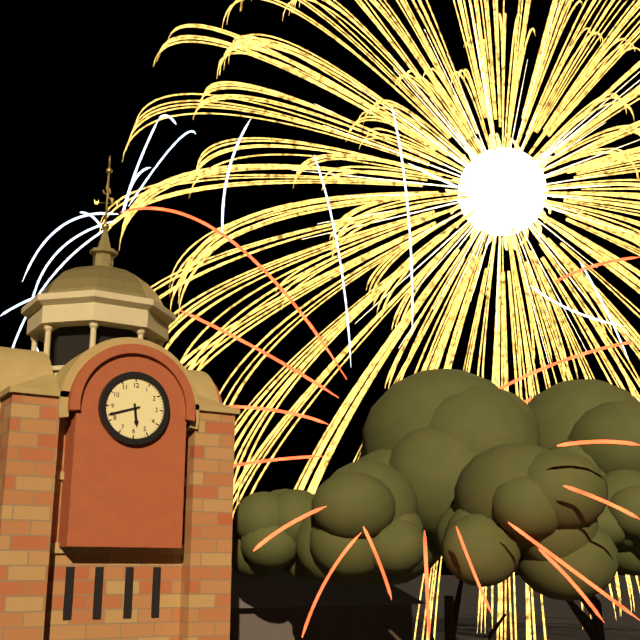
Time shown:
5,42
